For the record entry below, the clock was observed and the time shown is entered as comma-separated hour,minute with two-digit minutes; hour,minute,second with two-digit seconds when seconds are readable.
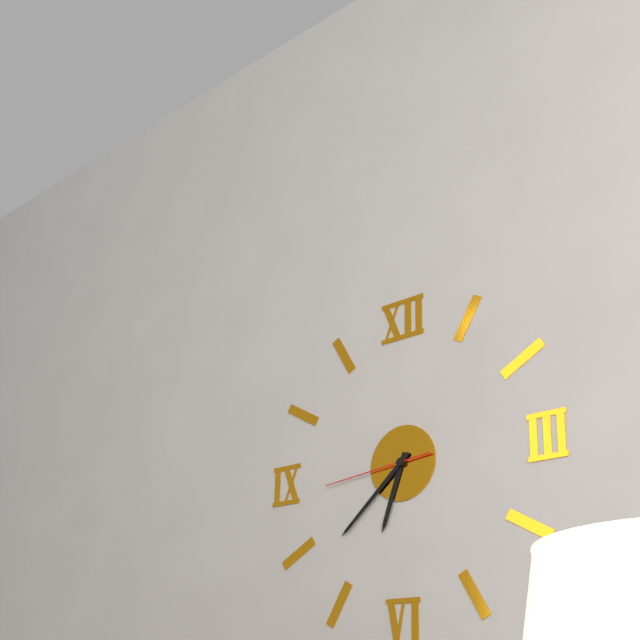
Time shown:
6,38,44
